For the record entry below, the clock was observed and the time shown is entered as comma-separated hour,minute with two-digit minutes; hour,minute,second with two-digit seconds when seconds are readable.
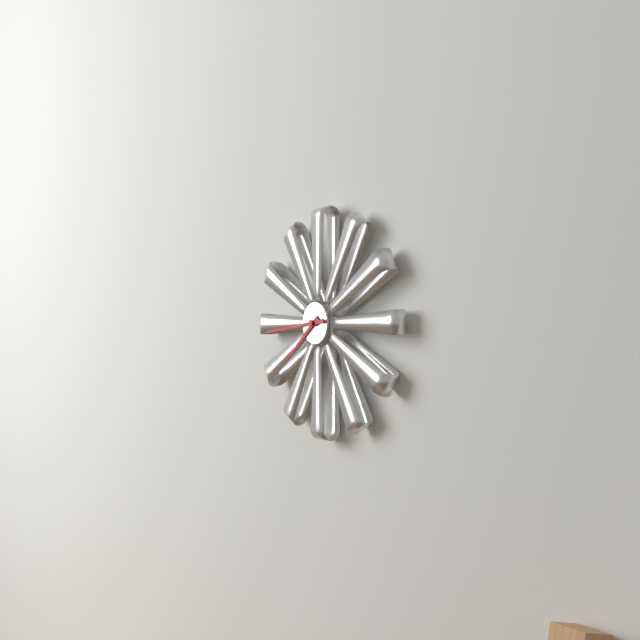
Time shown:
7,44
